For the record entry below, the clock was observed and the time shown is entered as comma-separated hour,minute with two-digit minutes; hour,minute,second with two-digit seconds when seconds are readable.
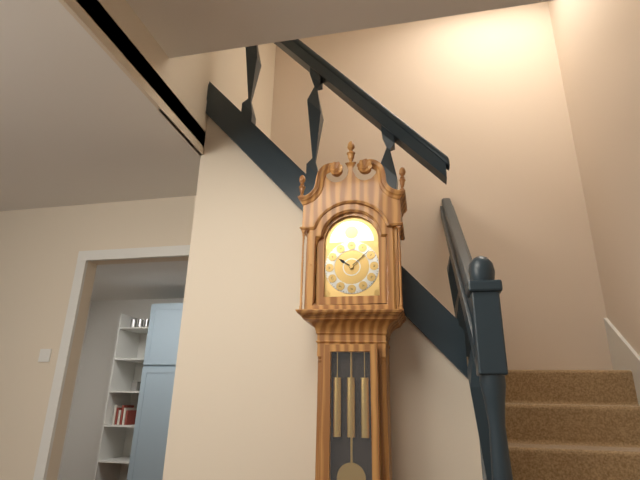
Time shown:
10,08
